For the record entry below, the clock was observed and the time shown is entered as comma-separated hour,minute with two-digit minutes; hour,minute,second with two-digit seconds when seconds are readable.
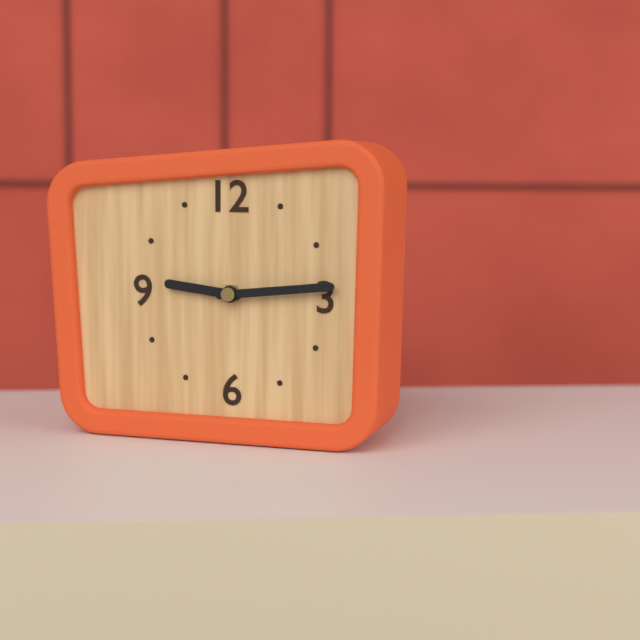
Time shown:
9,14
